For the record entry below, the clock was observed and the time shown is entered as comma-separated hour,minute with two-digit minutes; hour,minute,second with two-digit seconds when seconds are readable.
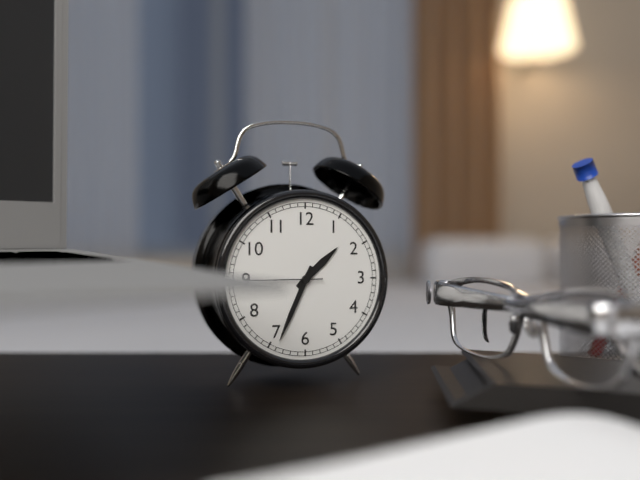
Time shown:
1,34
